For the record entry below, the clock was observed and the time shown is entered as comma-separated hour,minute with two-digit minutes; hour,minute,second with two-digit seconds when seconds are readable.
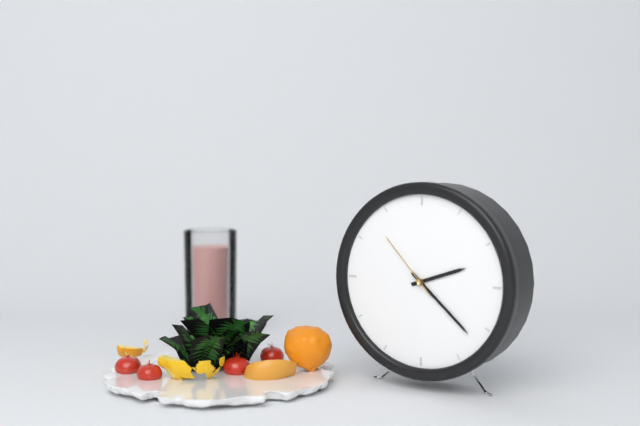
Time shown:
2,22,53
